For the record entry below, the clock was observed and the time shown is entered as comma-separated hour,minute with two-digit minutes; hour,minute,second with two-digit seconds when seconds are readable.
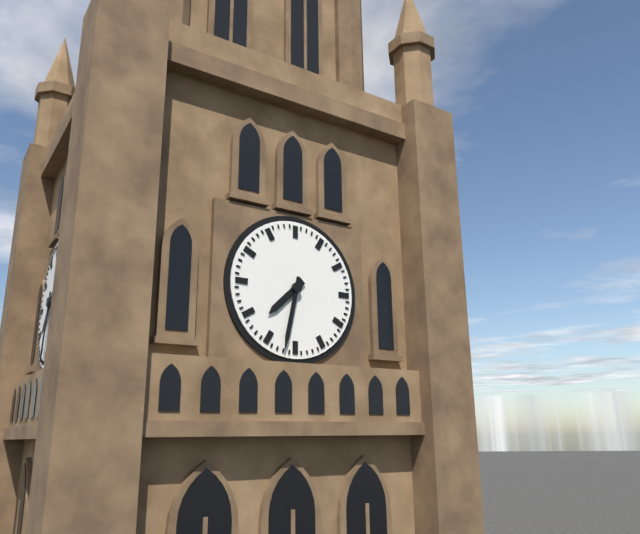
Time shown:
7,32
